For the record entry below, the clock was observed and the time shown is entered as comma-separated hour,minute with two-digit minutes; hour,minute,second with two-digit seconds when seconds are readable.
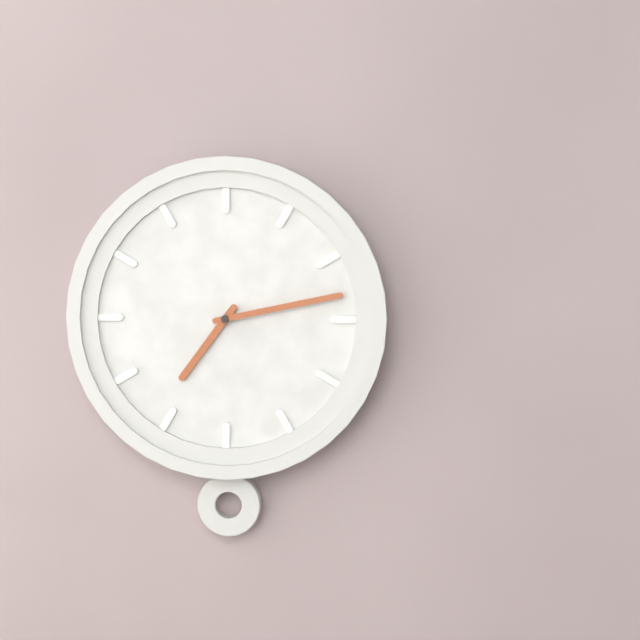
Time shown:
7,13
